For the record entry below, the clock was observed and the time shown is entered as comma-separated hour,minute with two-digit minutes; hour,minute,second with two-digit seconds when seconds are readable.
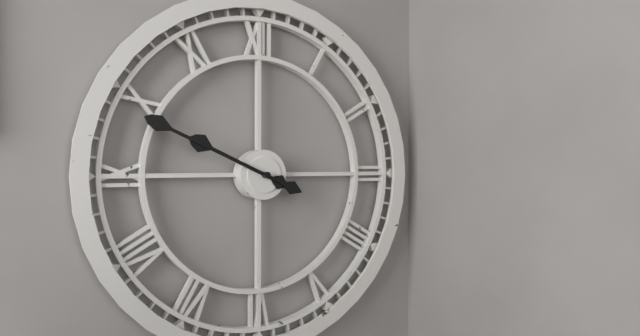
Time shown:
9,49
